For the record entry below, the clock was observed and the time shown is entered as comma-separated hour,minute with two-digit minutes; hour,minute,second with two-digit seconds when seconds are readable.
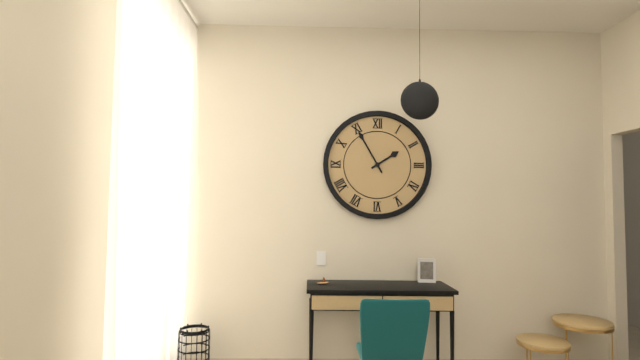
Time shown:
1,55
